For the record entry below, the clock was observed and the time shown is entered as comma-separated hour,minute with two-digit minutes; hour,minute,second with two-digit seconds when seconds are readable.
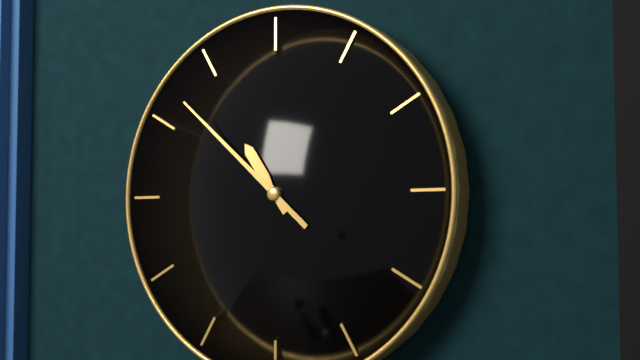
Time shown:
10,52
